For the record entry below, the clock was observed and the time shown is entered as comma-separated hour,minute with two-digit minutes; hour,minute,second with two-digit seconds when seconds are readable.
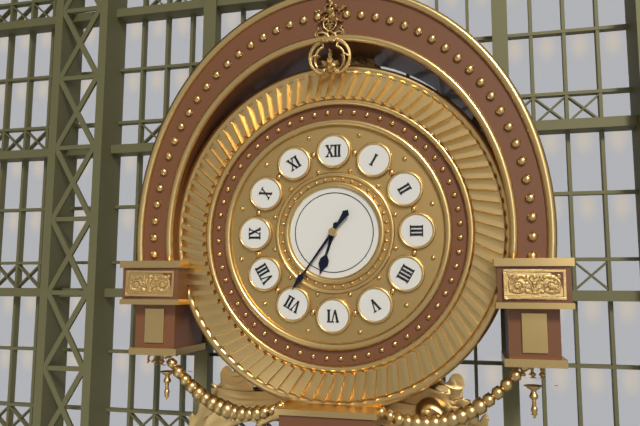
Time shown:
6,36
